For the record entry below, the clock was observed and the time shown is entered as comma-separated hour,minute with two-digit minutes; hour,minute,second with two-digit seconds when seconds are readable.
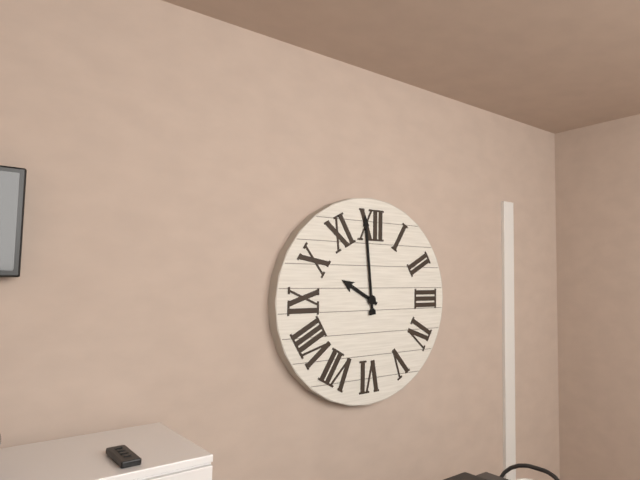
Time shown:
9,59
